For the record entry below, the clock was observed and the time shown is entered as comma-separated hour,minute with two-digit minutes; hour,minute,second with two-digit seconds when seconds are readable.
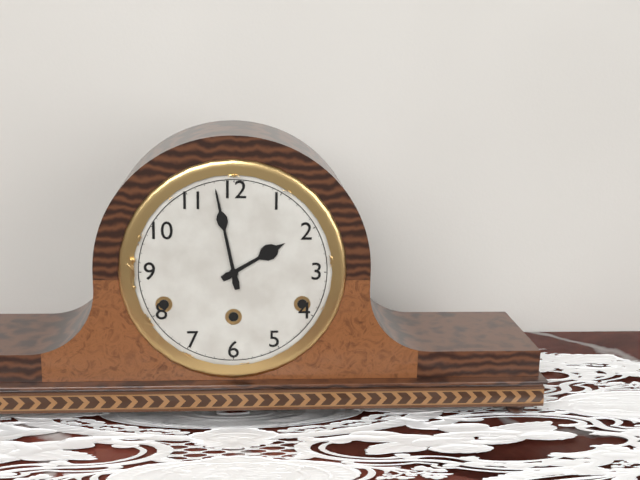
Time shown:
1,58
